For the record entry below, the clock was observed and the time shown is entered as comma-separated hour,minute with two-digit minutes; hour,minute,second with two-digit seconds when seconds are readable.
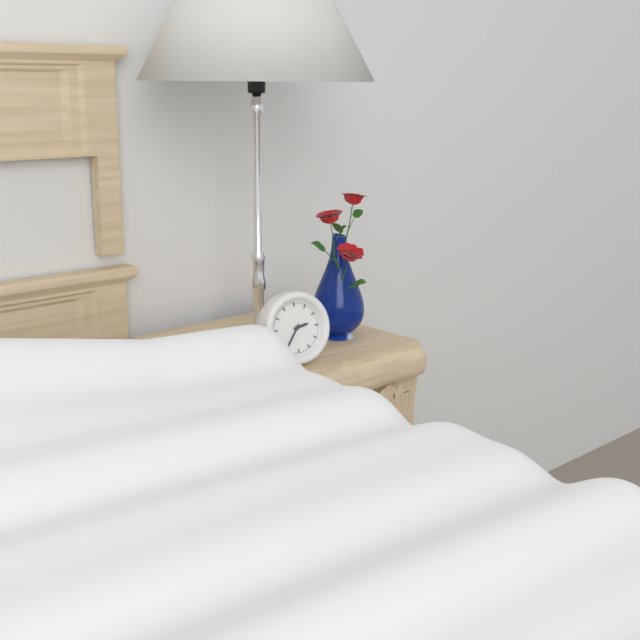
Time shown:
2,36
